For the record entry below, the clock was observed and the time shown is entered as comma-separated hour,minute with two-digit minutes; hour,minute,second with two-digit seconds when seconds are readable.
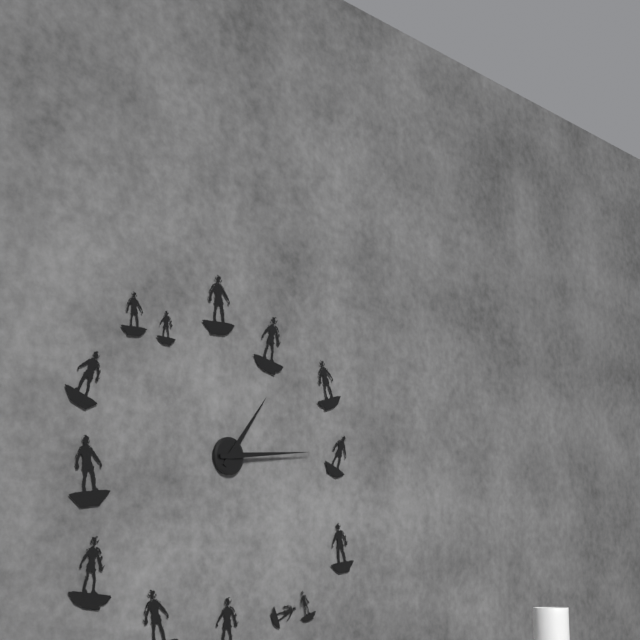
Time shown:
1,14
